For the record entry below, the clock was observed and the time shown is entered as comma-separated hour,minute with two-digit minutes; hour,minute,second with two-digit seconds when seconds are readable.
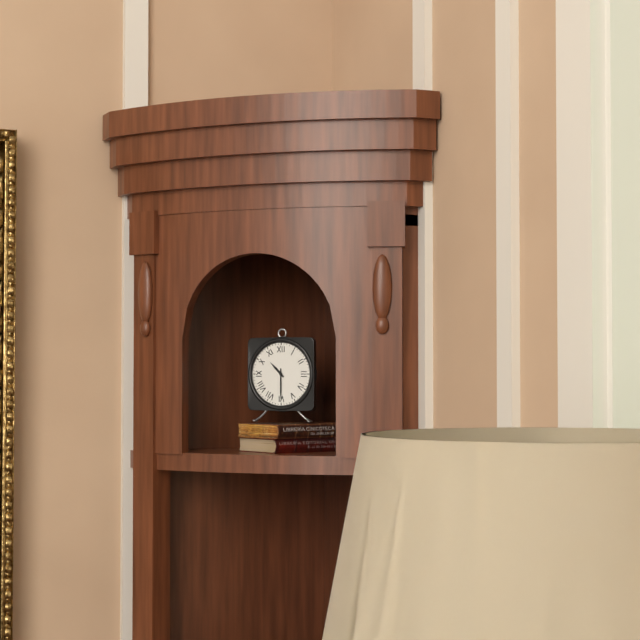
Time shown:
10,30
